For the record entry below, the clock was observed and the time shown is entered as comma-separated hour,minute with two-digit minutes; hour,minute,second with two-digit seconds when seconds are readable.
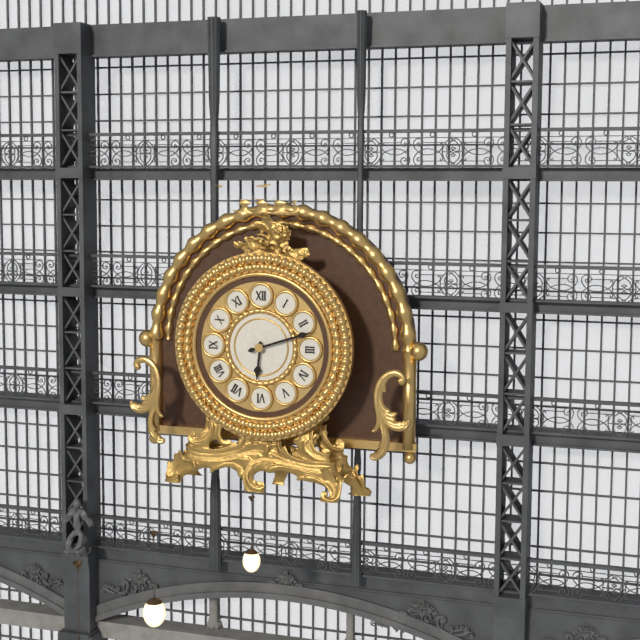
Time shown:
6,12
